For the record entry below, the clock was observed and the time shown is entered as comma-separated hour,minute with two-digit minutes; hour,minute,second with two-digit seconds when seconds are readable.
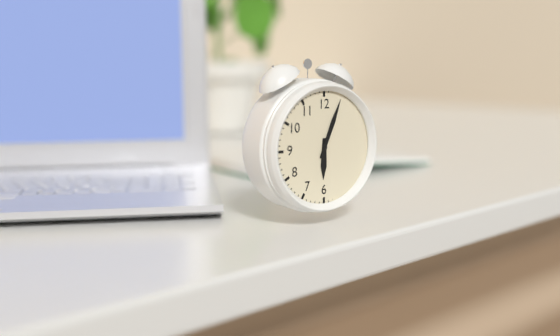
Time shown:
6,04
